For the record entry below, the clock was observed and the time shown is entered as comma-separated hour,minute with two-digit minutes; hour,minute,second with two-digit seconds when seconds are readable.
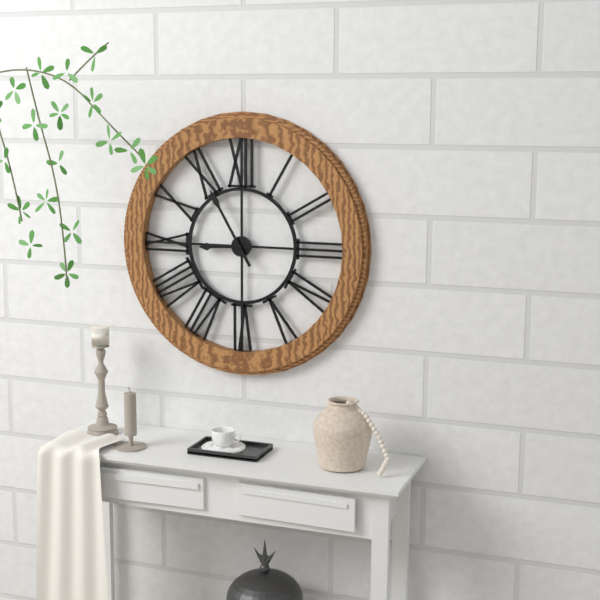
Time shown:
8,55
